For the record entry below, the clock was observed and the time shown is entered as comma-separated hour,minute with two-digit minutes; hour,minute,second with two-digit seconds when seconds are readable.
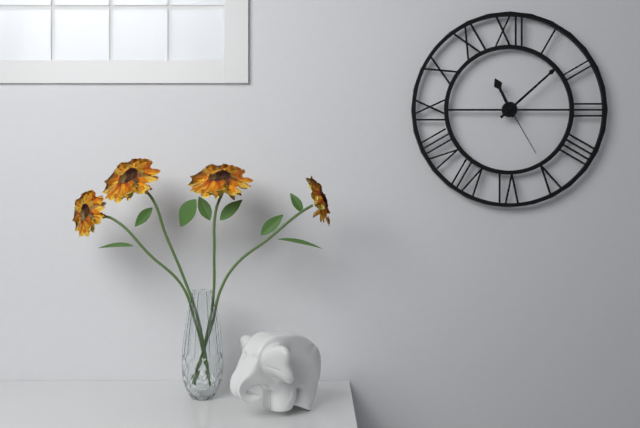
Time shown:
11,08,25
